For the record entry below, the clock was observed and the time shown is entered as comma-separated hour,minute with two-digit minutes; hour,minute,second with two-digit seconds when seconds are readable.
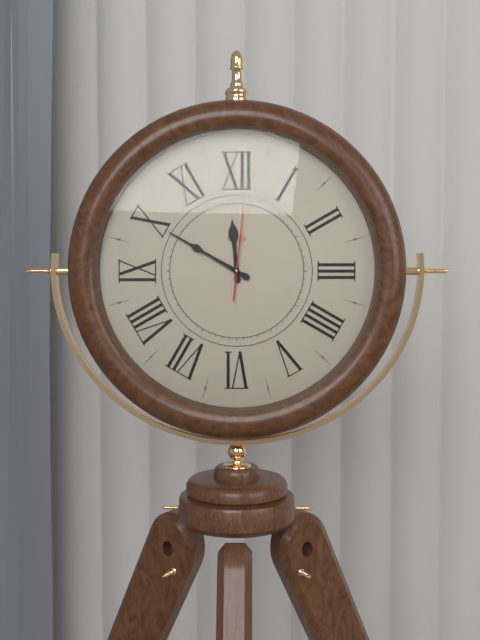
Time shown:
11,50,01
